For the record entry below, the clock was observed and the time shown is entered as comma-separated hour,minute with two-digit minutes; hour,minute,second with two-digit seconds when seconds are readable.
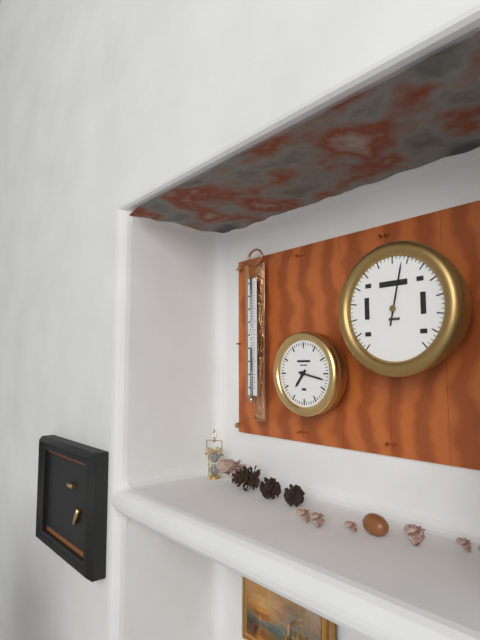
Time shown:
7,17
